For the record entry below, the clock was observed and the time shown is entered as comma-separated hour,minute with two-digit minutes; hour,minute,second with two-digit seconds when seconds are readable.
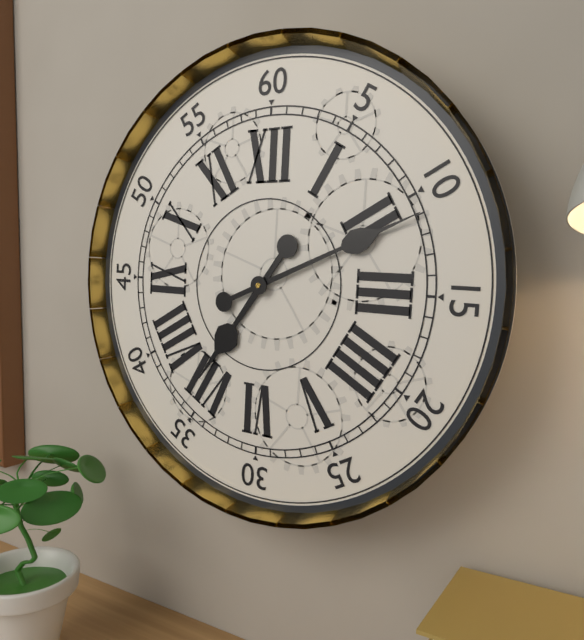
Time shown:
7,11
